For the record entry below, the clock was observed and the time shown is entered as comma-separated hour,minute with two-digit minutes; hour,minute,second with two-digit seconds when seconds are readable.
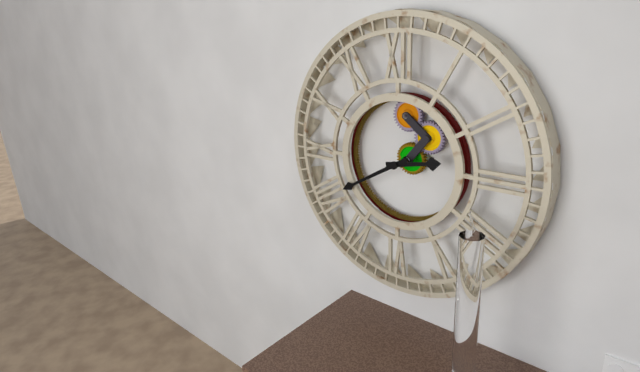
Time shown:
2,40
